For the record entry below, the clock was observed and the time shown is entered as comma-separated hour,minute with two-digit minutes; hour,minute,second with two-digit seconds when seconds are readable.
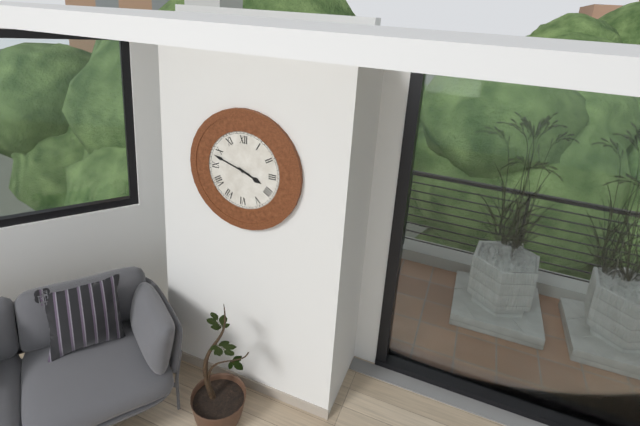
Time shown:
3,48
